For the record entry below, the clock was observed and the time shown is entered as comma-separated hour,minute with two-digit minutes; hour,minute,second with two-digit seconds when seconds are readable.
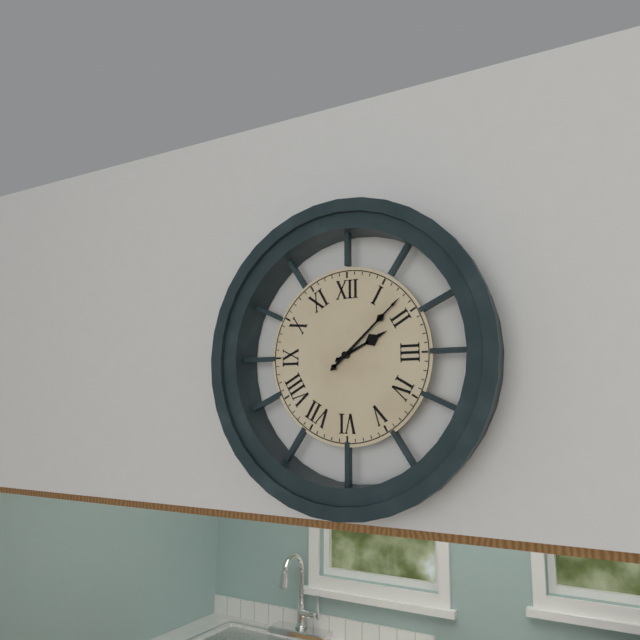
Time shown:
2,08
